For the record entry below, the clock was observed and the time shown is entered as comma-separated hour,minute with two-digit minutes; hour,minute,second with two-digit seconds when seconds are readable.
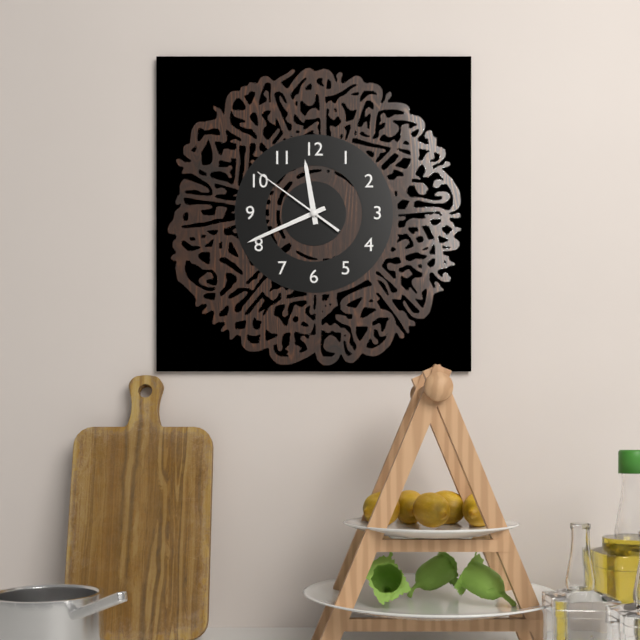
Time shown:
11,41,51
